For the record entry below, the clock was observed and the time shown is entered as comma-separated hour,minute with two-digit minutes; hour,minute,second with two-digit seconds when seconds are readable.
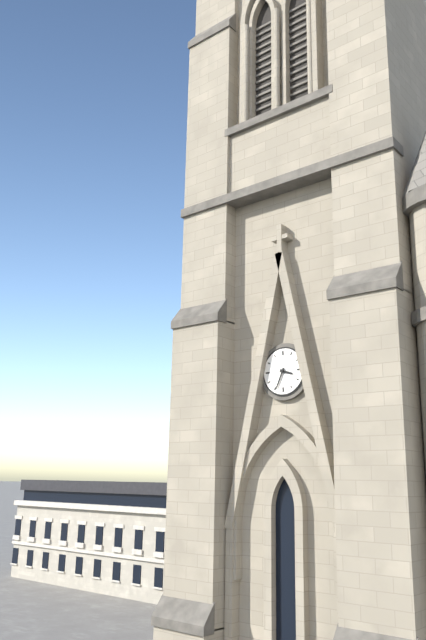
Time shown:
3,34
